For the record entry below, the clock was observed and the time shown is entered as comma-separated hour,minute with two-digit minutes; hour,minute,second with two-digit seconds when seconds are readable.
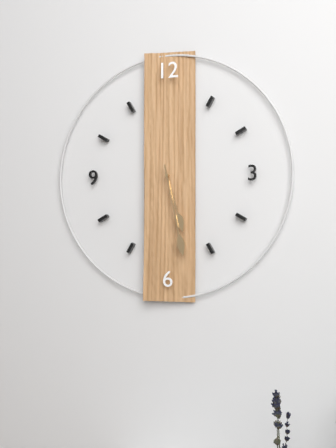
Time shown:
5,28
